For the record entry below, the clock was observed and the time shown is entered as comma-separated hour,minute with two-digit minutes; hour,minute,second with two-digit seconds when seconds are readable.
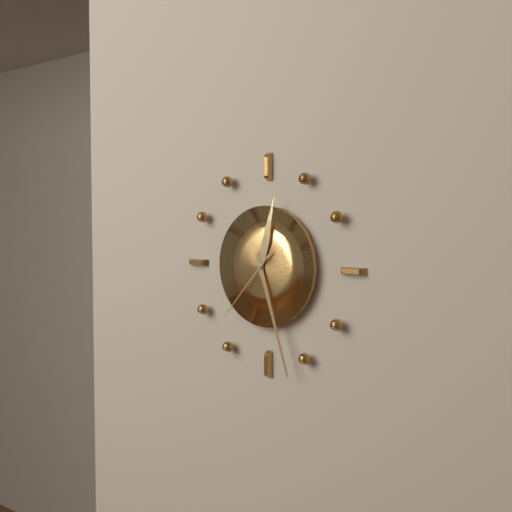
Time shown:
12,27,37
